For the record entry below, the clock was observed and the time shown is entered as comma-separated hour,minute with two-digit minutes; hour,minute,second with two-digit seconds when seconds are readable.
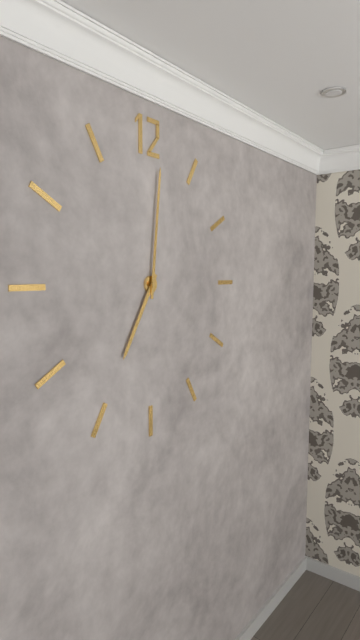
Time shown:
7,01
